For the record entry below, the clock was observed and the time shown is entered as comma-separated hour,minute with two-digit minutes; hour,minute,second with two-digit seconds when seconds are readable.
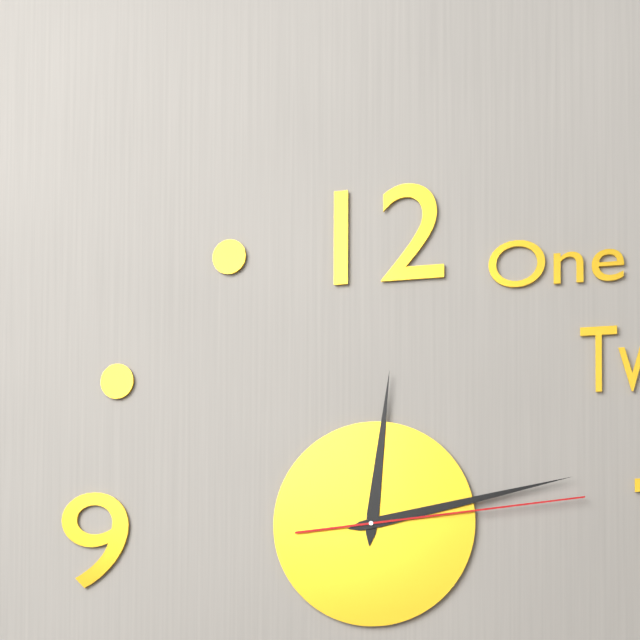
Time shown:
12,13,14
